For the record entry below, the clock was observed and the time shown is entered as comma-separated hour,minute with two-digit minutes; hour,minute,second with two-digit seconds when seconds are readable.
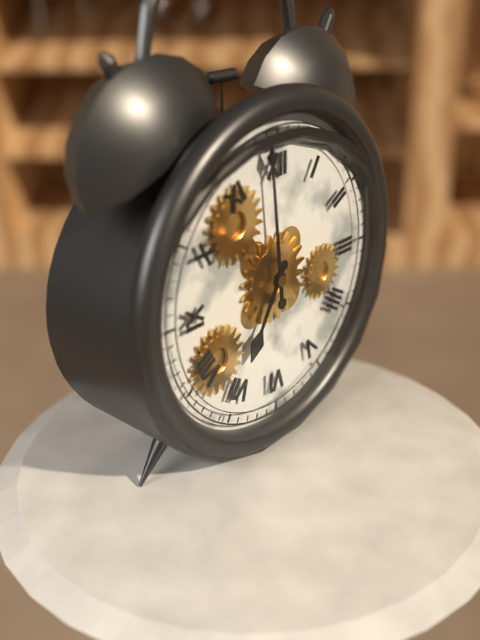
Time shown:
6,59
